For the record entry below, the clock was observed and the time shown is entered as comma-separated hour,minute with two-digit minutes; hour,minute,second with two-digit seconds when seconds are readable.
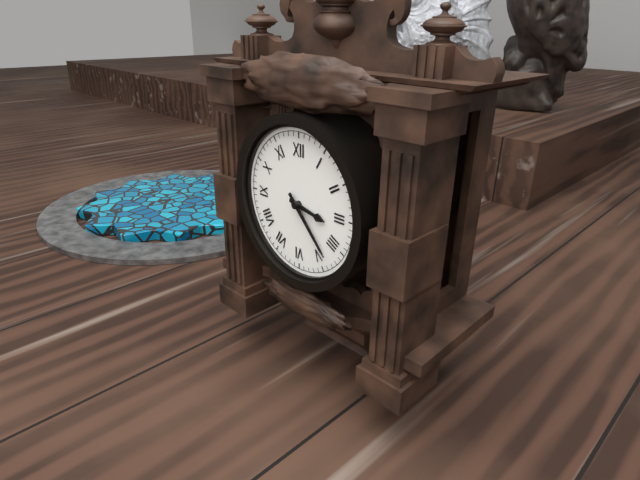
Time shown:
3,23
